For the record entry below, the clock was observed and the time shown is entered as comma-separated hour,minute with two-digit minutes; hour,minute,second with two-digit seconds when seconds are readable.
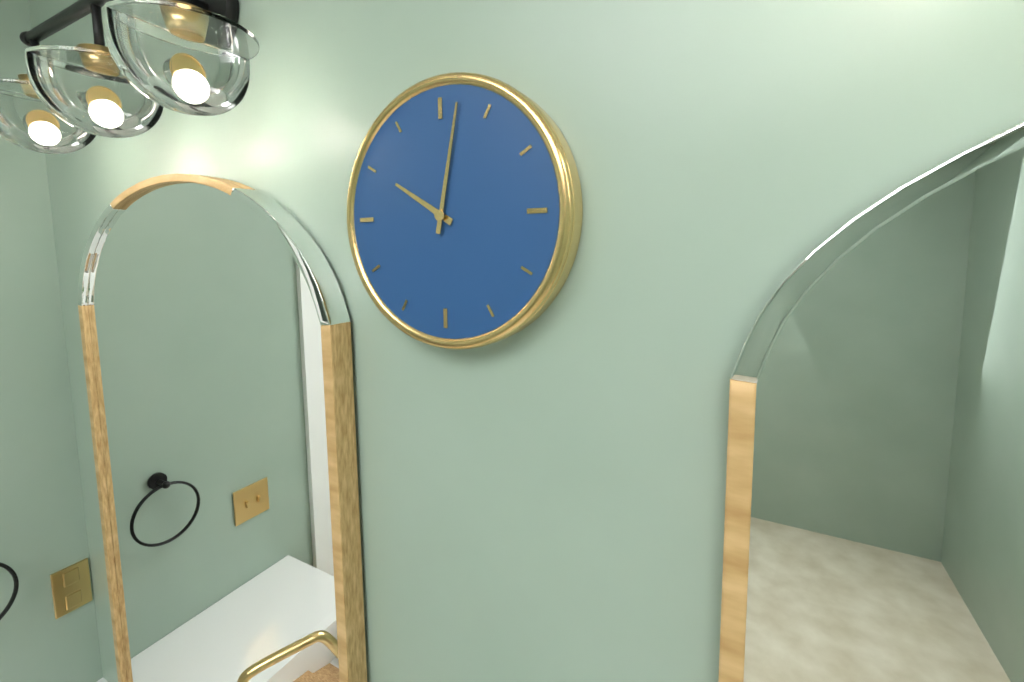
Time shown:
10,02
